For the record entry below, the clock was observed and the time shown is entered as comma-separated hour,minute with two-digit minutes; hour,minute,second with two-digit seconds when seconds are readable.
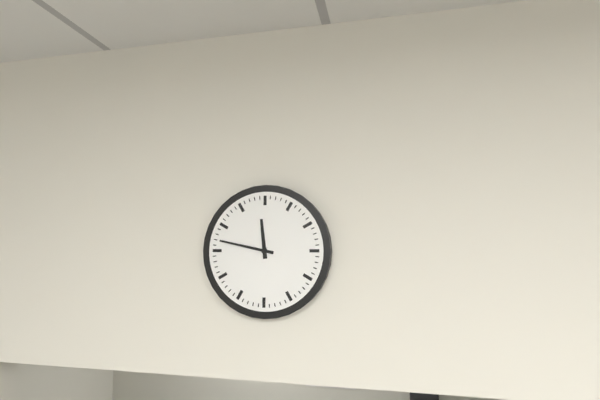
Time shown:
11,47
